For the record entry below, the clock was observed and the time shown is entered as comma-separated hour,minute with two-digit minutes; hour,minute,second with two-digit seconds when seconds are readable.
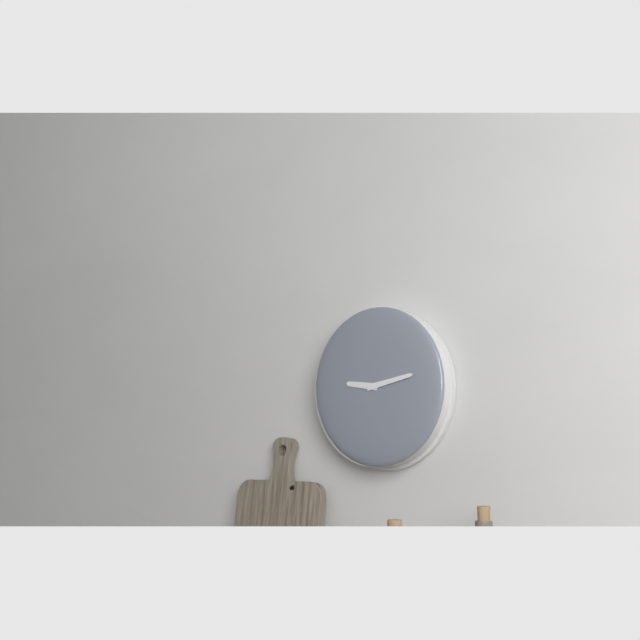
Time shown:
9,13
